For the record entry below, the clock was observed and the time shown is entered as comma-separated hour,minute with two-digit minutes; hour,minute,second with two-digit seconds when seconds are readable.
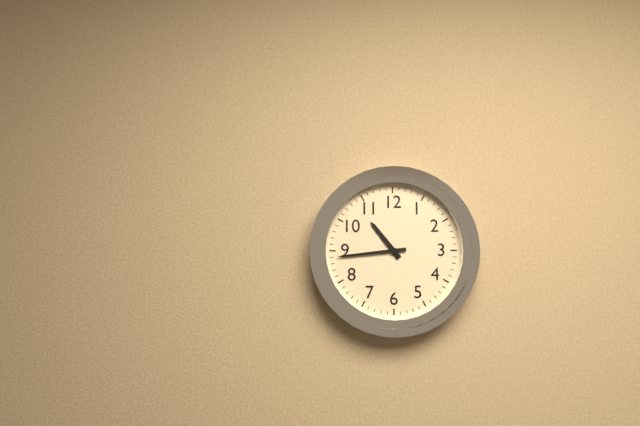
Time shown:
10,44
